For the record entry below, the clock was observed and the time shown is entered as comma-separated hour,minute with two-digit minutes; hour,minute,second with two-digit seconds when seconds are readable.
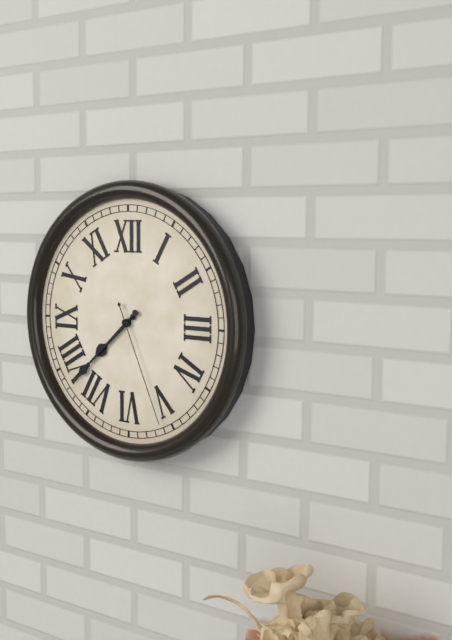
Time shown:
7,38,26
